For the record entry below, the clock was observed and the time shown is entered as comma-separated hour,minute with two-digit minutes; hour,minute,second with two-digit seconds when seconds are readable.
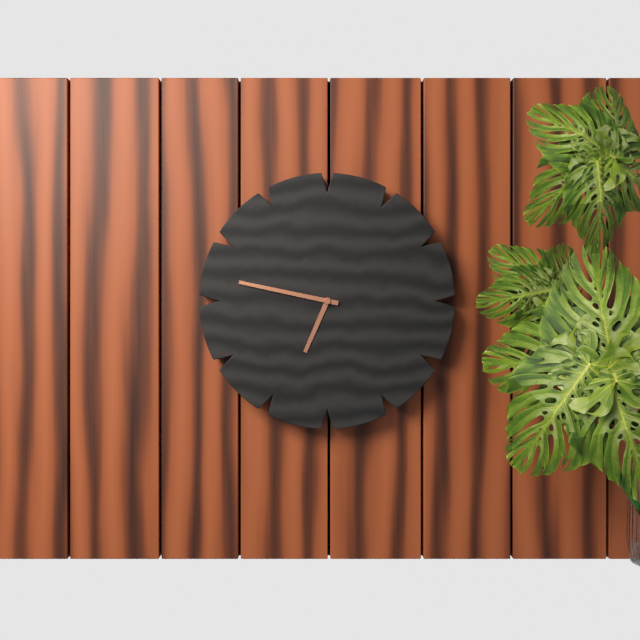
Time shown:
6,47
